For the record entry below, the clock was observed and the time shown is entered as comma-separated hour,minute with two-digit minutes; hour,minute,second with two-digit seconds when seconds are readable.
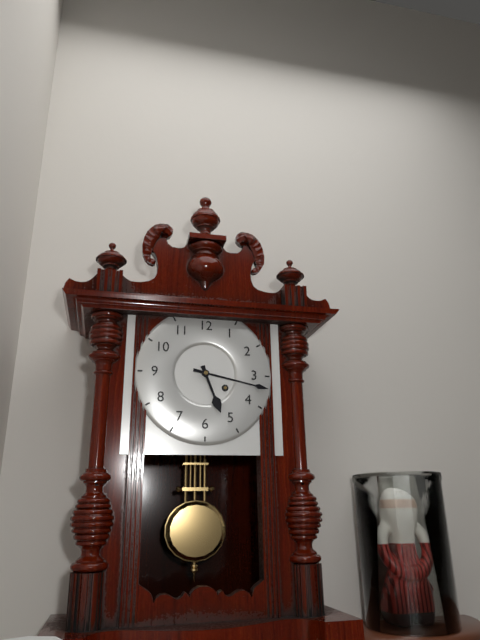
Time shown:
5,17
